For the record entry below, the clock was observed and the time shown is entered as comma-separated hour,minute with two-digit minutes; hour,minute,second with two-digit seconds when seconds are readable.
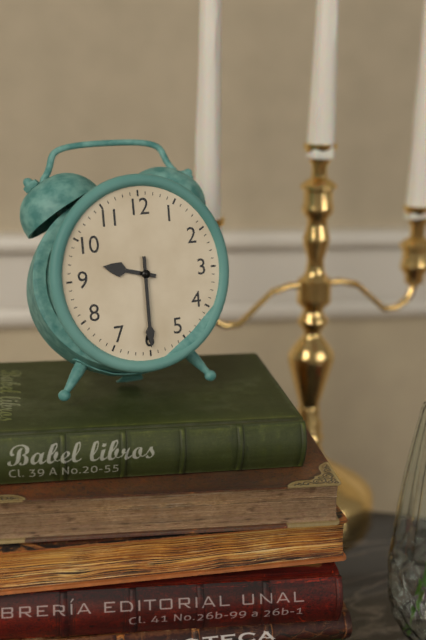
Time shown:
9,30
